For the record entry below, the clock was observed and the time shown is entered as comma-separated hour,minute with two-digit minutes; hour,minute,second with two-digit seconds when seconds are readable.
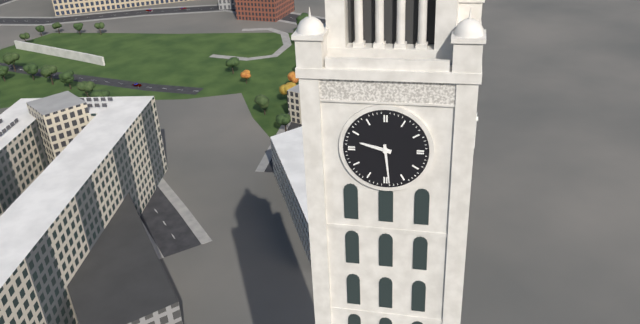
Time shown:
9,29
